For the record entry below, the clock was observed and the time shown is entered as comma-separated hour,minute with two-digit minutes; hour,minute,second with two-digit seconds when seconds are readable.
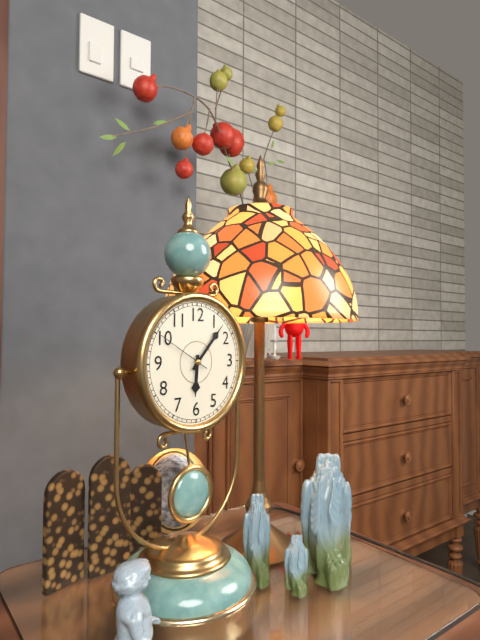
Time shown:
6,07
